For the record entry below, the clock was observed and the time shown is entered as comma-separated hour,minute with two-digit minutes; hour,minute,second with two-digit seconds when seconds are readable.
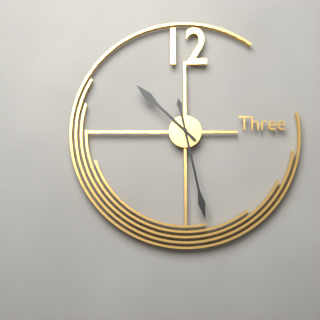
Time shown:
10,28
